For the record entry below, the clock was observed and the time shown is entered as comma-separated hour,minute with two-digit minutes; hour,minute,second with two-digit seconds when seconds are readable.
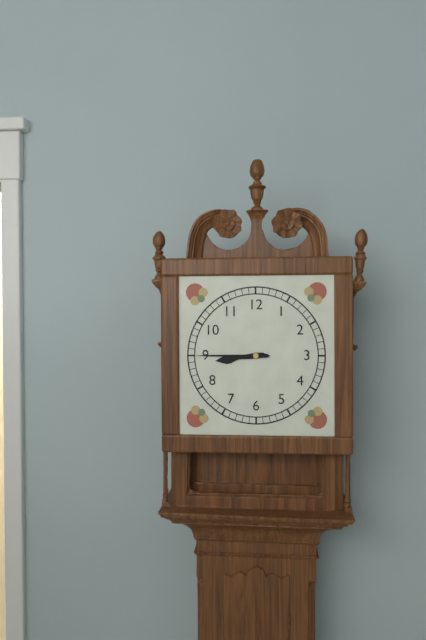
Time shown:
8,45
